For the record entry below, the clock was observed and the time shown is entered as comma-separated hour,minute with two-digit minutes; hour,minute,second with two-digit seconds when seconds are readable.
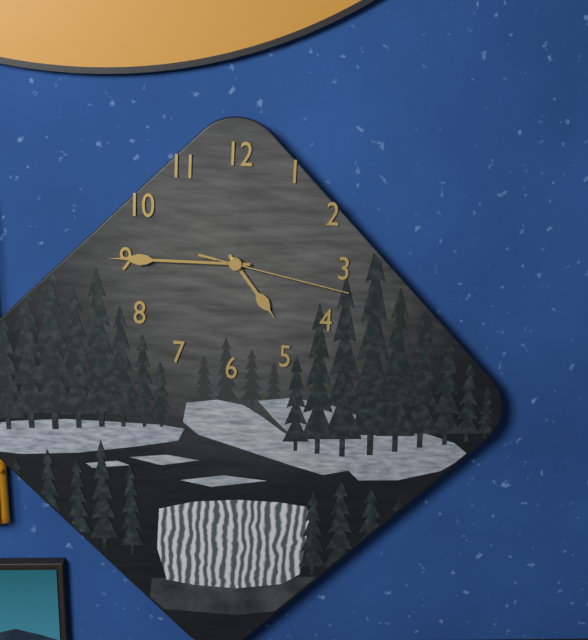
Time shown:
4,45,17
